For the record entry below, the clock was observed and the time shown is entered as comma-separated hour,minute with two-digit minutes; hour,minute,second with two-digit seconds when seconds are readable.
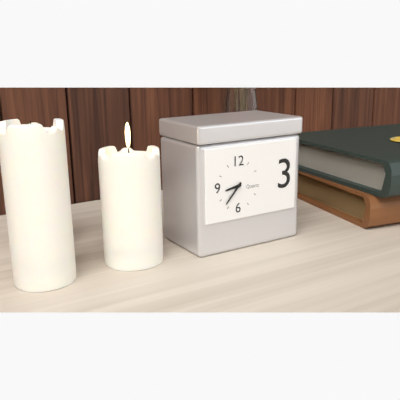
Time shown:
8,37
